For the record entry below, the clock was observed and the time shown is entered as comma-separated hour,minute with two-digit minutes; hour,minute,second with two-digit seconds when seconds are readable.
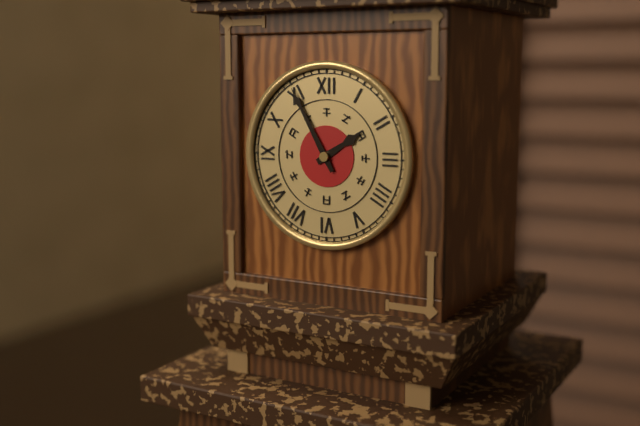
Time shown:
1,55
